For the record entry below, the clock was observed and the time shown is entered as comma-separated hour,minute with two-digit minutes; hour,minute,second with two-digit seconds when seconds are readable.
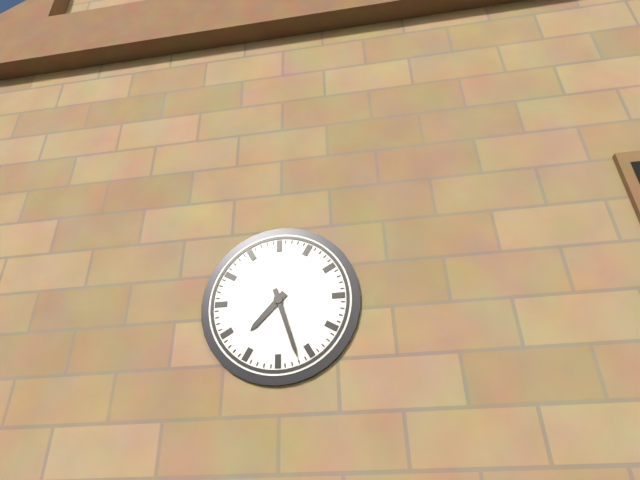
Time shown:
7,27
